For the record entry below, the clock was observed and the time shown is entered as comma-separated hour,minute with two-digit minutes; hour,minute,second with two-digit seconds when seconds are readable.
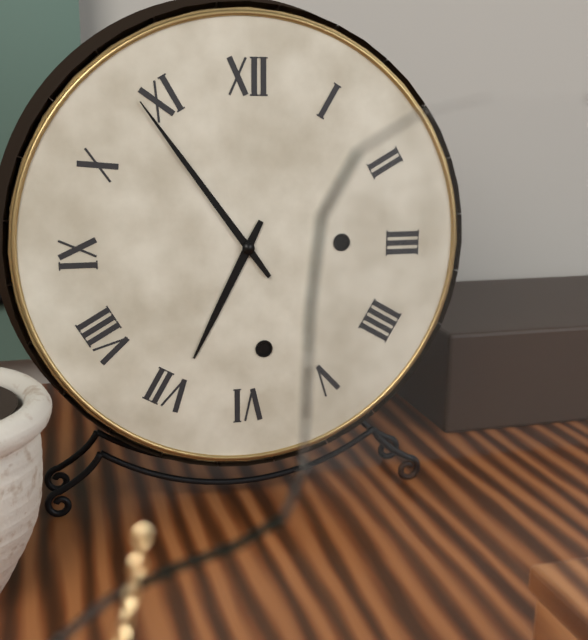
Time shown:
6,54
